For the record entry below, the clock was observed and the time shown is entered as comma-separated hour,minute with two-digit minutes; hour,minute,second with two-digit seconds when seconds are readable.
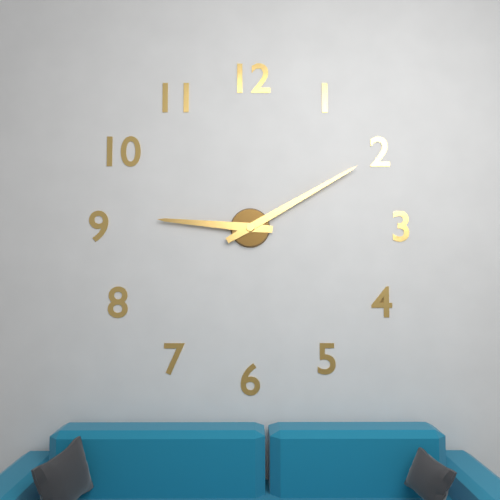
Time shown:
9,10
